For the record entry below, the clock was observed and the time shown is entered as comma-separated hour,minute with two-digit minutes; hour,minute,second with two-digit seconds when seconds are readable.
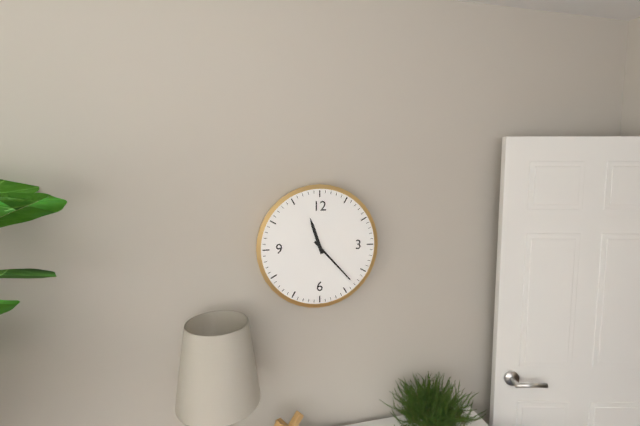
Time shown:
11,23
